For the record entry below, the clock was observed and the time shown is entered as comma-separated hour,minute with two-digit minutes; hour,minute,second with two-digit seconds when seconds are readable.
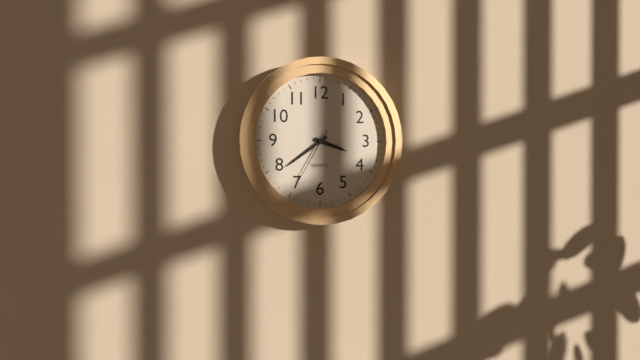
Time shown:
3,39,35
